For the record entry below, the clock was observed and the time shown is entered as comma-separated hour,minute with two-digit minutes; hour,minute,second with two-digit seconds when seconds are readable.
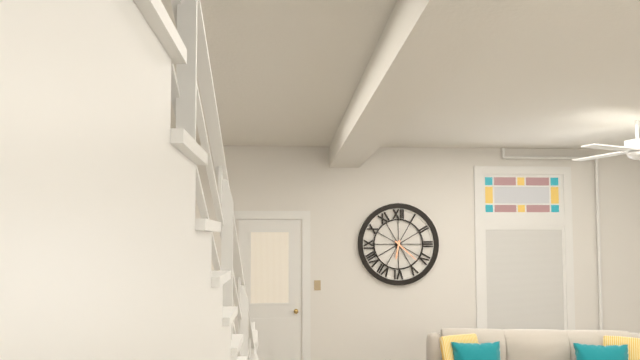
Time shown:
6,22
